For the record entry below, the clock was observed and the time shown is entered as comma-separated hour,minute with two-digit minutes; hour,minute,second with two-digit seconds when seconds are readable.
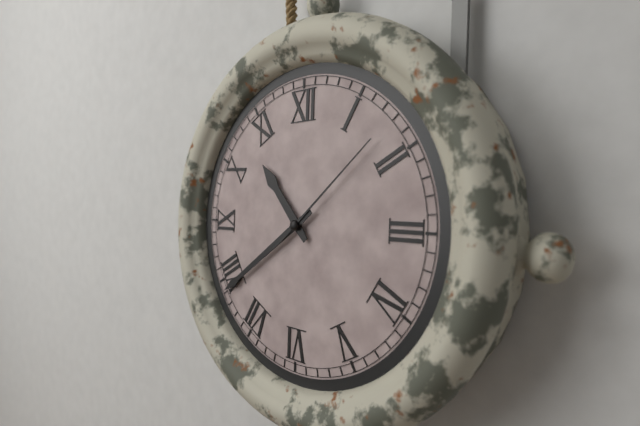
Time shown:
10,39,08
